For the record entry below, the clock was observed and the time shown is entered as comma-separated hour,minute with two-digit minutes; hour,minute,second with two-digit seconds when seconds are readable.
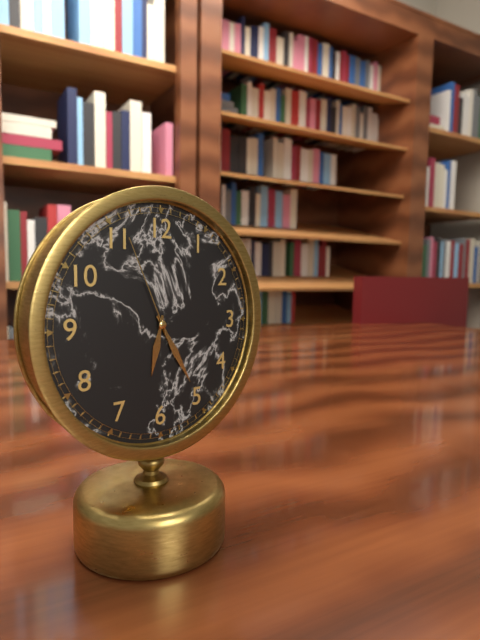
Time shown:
6,25,56
